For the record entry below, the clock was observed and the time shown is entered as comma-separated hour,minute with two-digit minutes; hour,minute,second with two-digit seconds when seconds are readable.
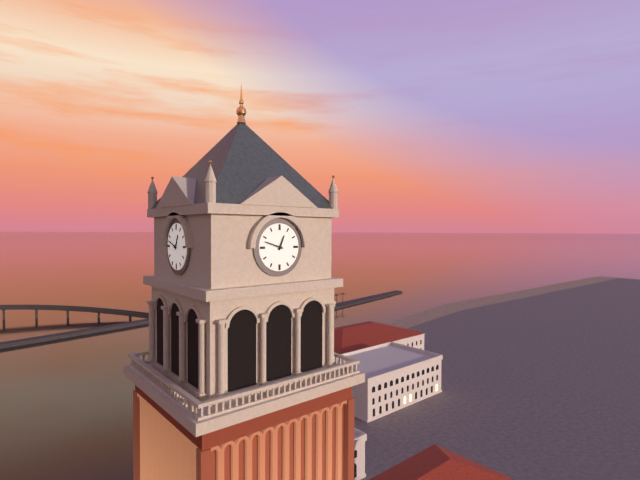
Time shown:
12,48
